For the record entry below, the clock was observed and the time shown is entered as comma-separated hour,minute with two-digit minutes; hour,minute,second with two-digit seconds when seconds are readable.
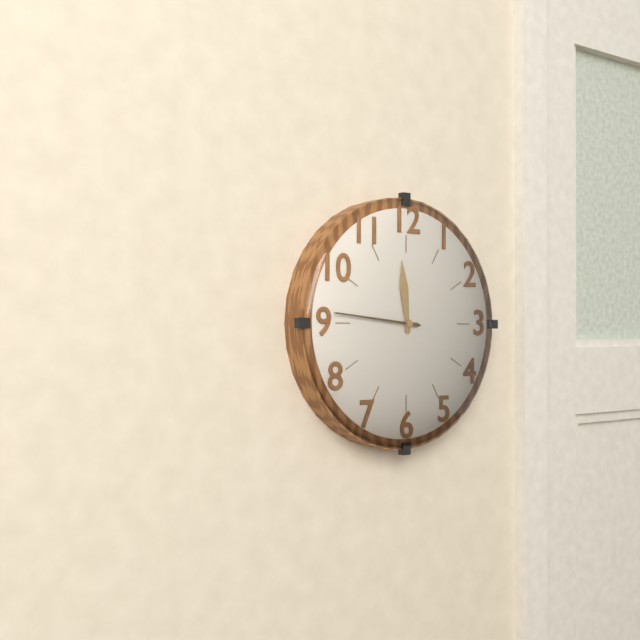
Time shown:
11,46
